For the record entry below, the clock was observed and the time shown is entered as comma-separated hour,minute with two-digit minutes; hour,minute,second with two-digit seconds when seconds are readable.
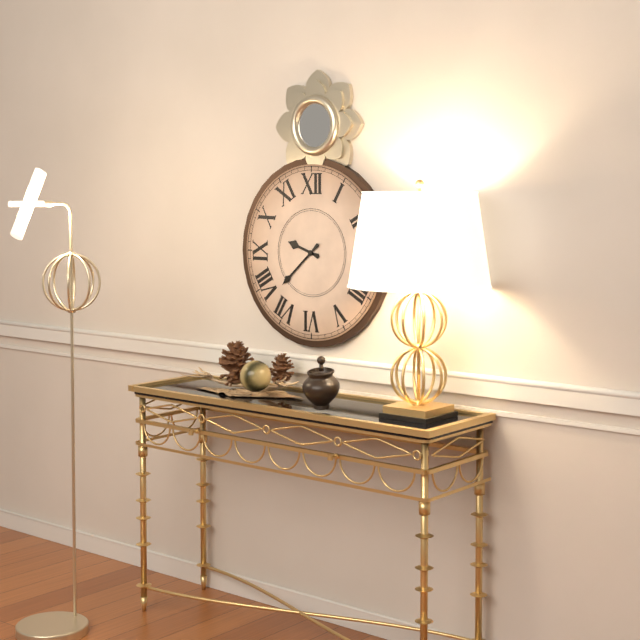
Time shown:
9,38
